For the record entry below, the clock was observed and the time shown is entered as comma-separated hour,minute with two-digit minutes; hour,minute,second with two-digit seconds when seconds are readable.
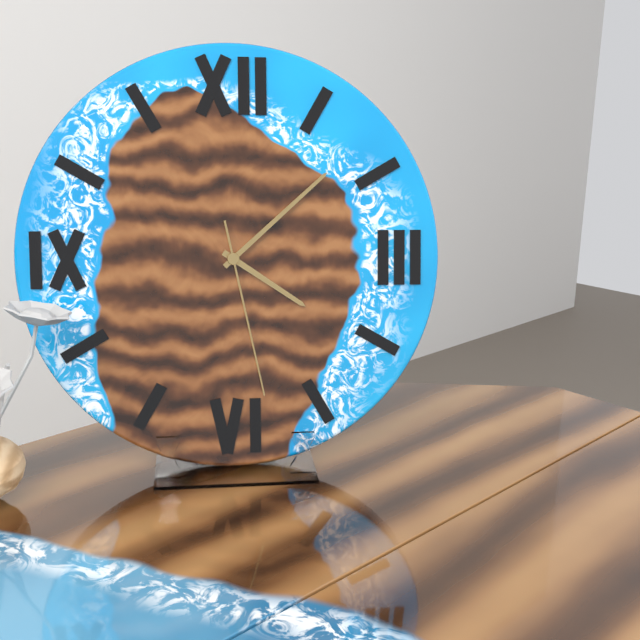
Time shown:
4,08,28
